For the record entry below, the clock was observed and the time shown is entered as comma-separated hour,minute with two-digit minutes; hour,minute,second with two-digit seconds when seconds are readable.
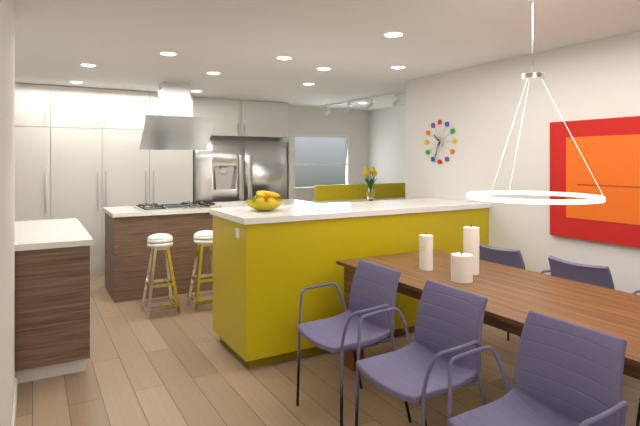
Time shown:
10,33
